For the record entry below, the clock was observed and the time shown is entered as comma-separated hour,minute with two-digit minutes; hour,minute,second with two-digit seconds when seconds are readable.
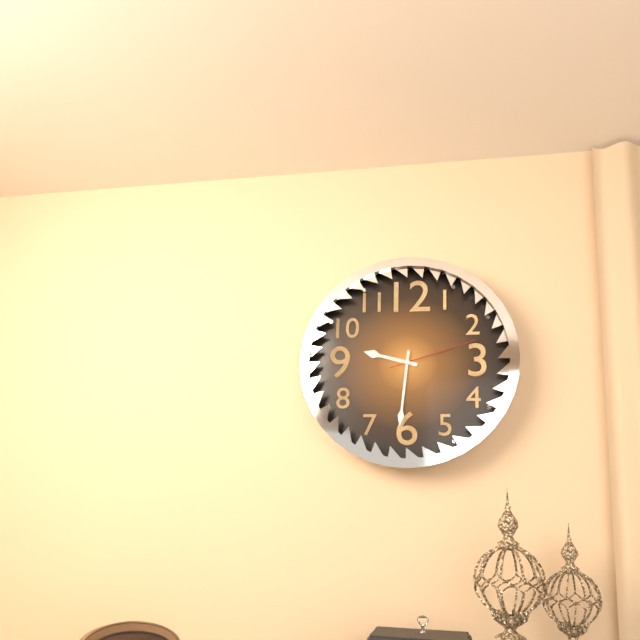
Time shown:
9,31,12
